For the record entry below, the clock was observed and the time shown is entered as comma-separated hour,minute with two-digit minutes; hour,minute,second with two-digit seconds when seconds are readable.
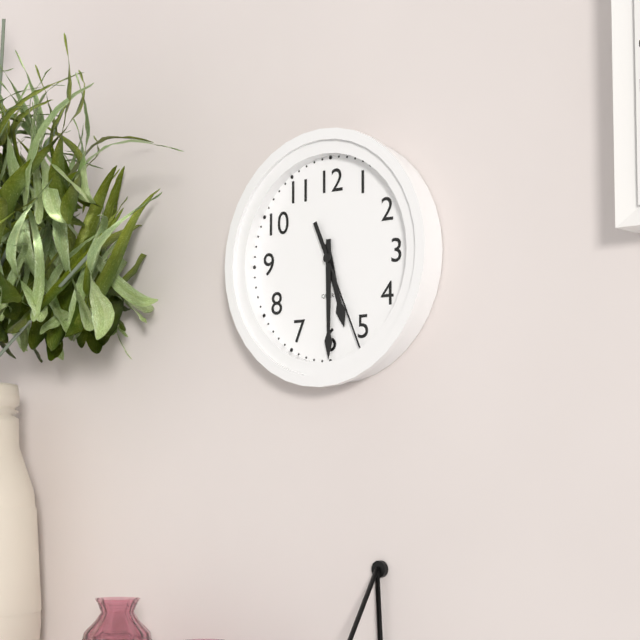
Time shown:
5,30,26
